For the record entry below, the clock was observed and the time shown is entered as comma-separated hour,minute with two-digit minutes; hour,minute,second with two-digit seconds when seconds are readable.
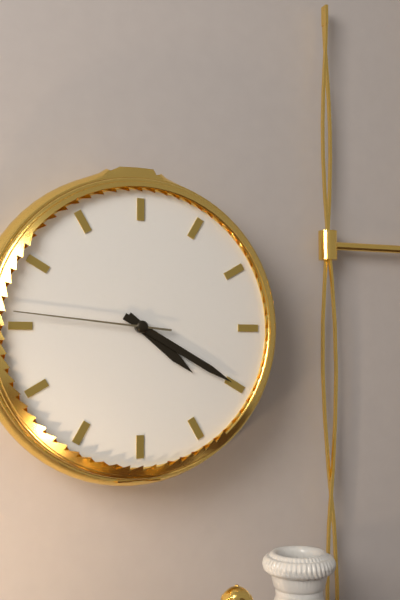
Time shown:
4,20,46
